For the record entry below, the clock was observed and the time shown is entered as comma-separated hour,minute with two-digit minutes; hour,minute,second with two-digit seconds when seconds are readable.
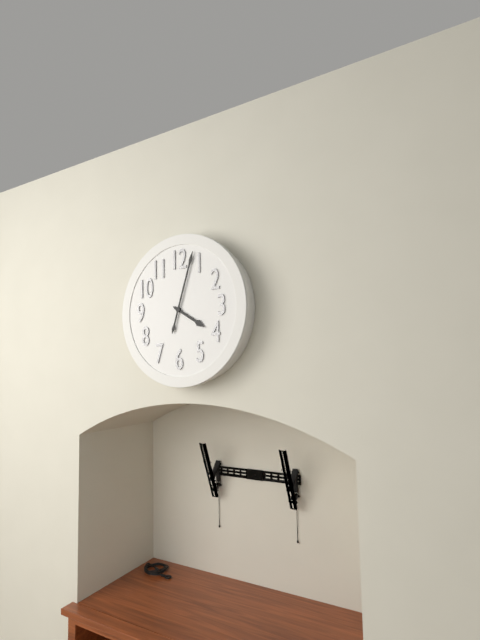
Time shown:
4,03
